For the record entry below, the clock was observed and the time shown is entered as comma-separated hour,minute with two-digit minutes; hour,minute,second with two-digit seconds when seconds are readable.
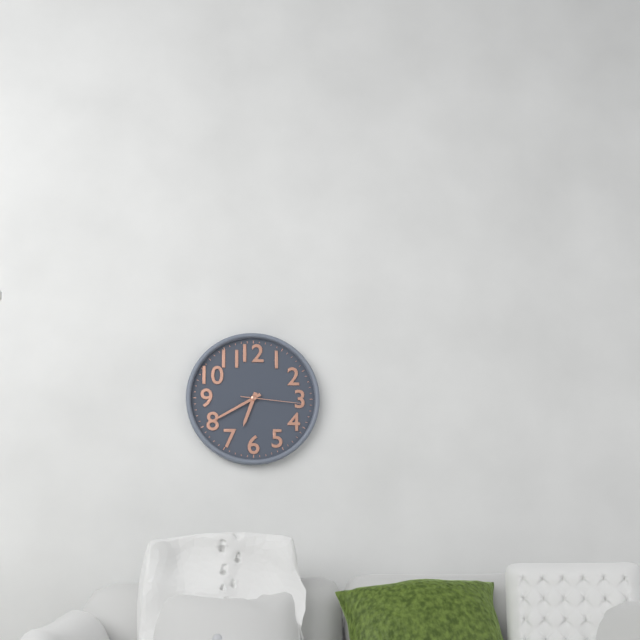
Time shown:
6,40,16
